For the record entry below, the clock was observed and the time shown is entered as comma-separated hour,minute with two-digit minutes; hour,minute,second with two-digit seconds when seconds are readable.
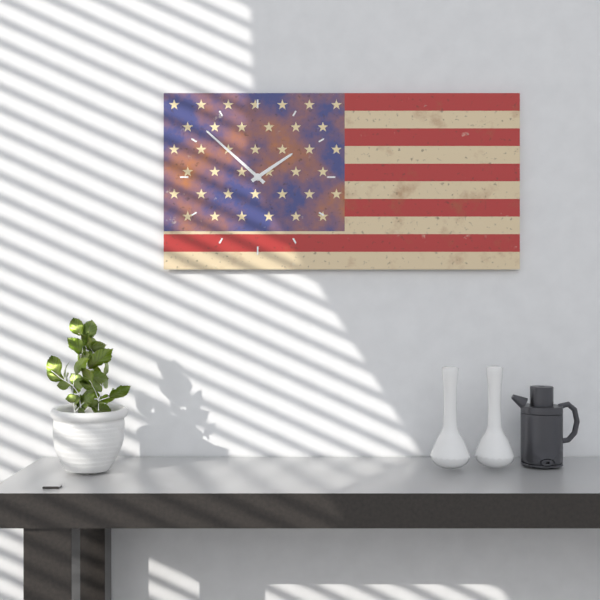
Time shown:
1,52
